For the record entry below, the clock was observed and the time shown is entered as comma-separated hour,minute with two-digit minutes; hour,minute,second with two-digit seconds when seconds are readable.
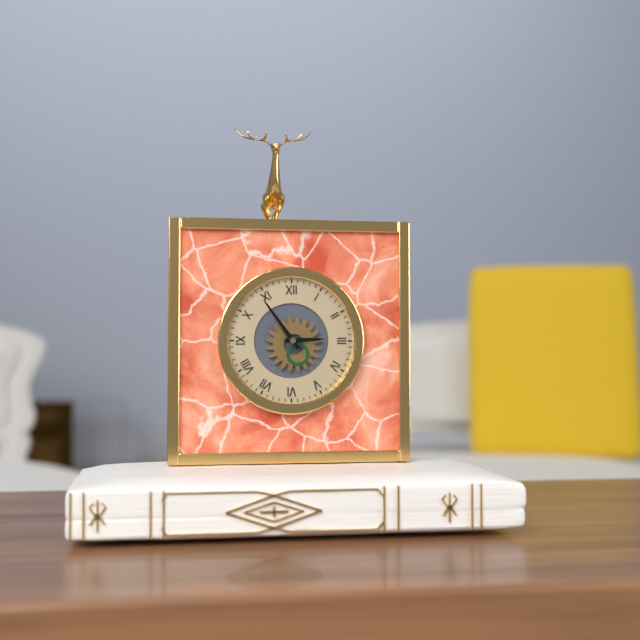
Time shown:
2,54
